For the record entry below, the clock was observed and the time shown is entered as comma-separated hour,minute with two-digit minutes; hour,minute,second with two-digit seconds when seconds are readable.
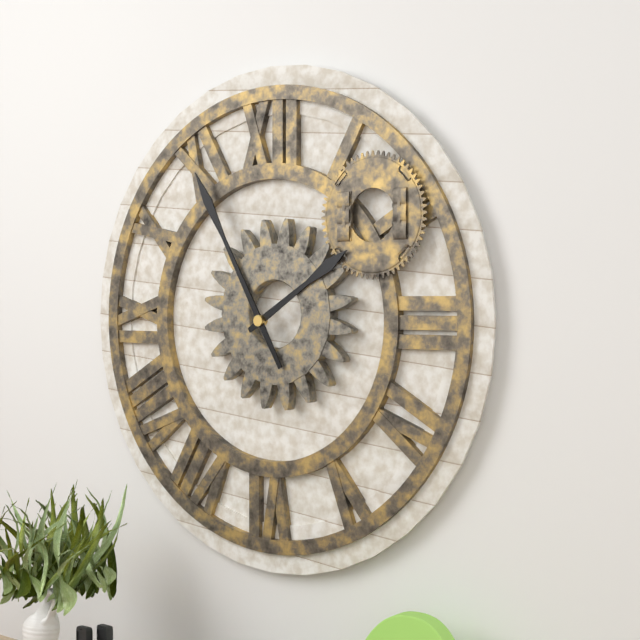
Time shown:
1,55
